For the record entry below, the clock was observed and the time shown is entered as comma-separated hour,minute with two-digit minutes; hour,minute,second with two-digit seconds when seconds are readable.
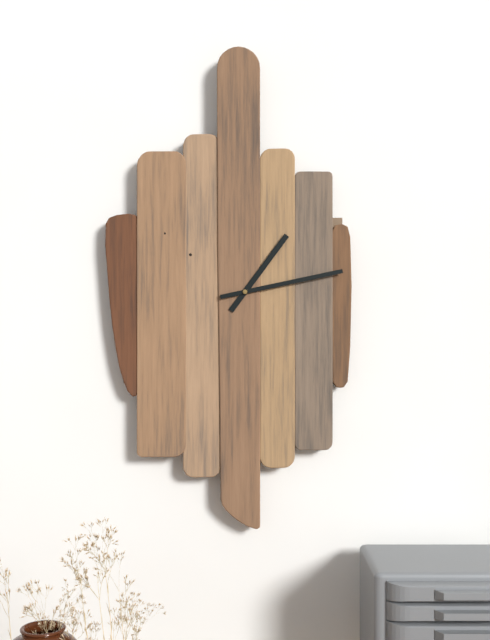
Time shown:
1,13
